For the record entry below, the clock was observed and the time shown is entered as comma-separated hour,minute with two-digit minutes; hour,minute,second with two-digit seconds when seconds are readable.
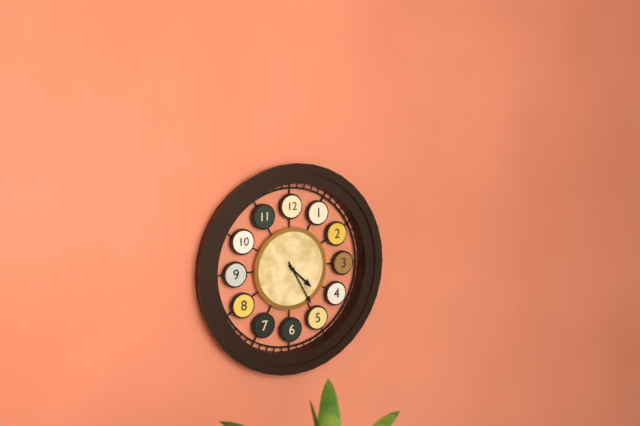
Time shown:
4,25
